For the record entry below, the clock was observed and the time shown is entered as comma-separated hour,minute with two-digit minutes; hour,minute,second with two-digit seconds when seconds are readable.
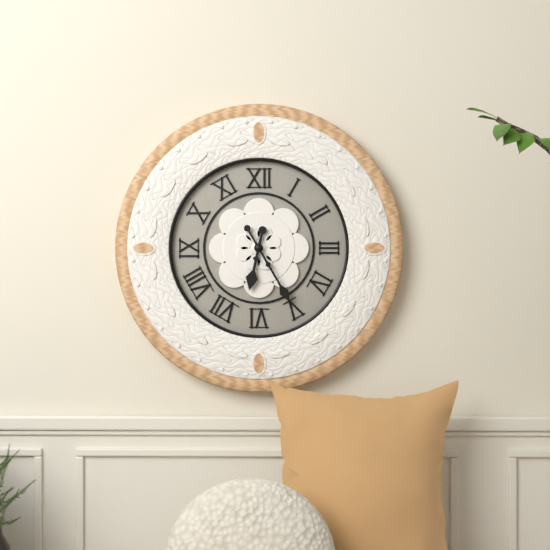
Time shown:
6,25
